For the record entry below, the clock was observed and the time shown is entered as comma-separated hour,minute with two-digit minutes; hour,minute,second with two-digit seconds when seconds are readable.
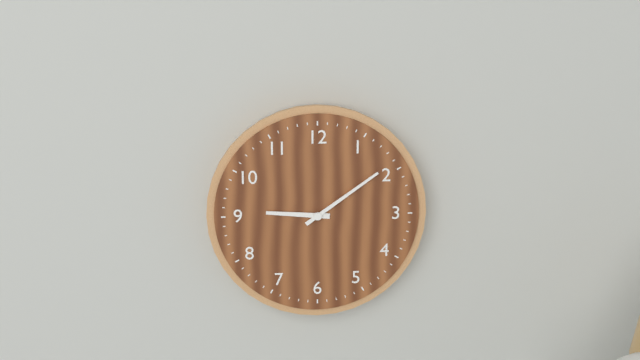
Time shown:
9,09
